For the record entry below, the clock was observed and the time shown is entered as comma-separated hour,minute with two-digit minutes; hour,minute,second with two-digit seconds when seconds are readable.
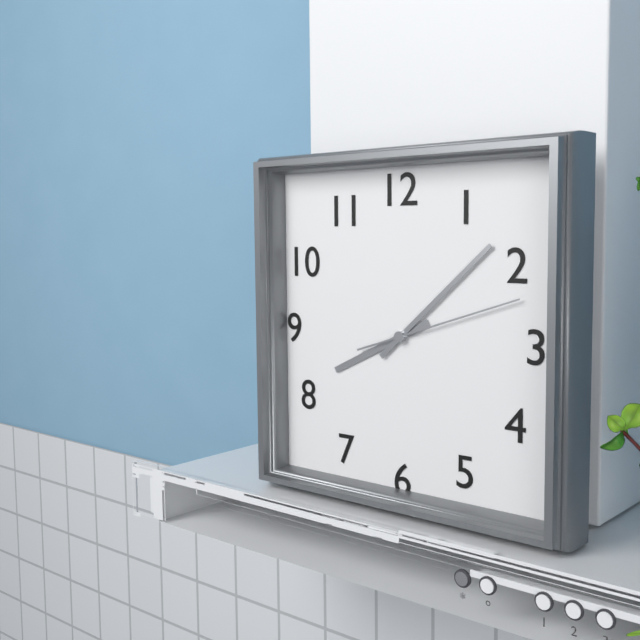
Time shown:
8,08,12
